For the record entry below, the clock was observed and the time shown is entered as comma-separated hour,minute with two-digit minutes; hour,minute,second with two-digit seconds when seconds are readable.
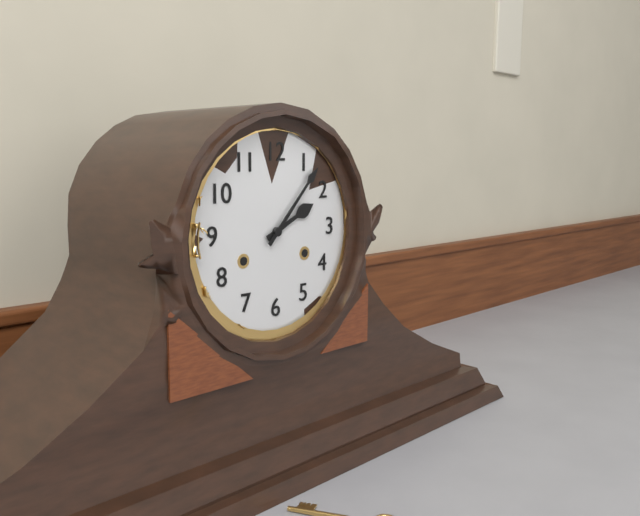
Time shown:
2,07
